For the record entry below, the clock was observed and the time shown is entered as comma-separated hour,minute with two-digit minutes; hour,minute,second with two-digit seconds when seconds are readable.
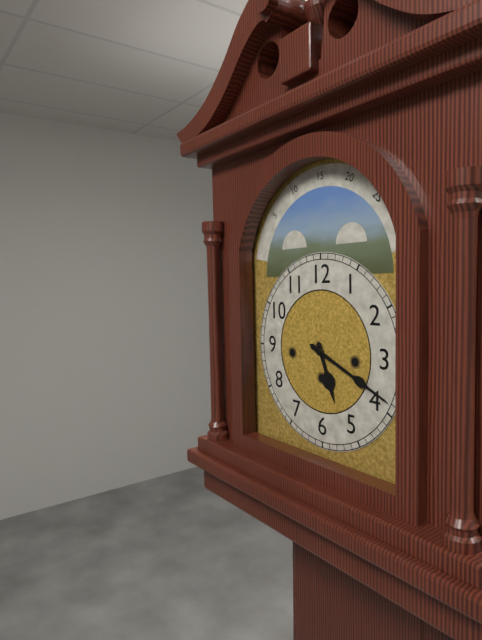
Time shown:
5,19
